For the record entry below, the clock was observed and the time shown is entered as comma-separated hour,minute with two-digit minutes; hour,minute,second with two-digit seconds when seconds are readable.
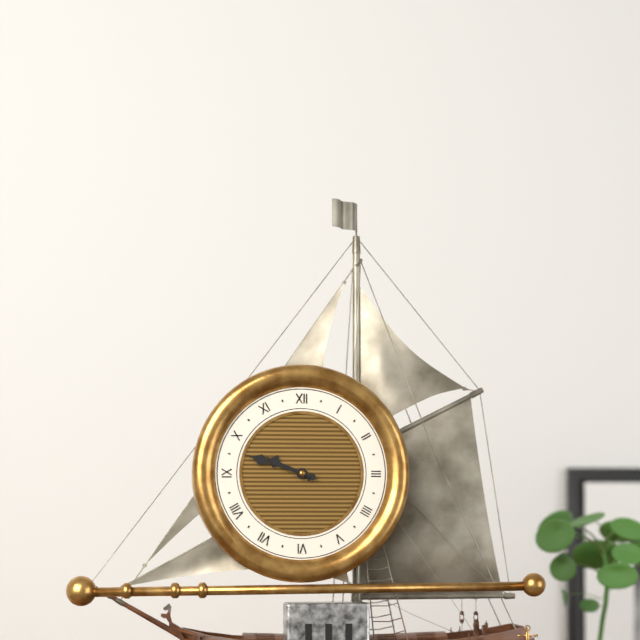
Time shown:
9,48
